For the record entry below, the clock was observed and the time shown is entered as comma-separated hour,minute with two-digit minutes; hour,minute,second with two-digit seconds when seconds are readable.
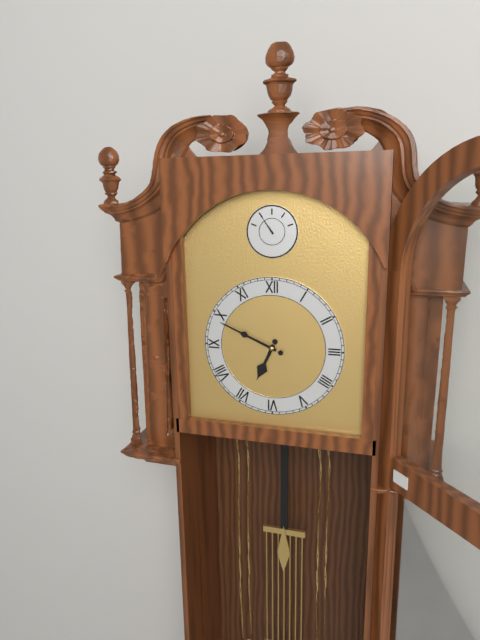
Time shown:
6,49
